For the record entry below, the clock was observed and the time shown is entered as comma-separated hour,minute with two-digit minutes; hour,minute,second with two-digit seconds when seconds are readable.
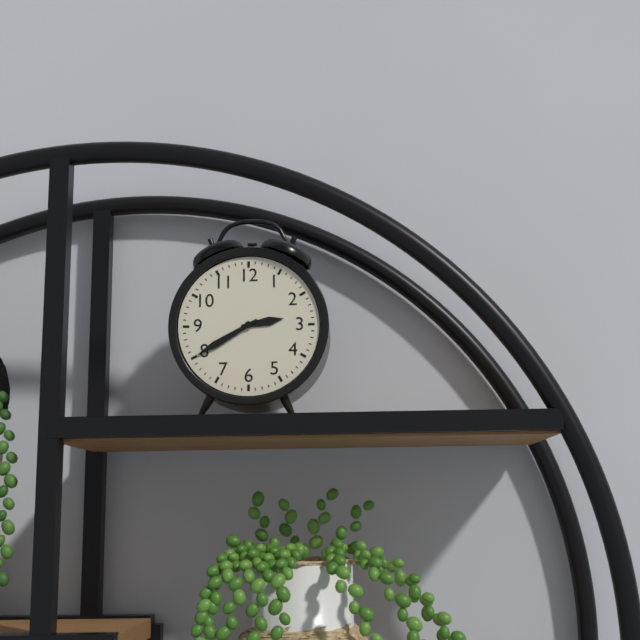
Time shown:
2,40
